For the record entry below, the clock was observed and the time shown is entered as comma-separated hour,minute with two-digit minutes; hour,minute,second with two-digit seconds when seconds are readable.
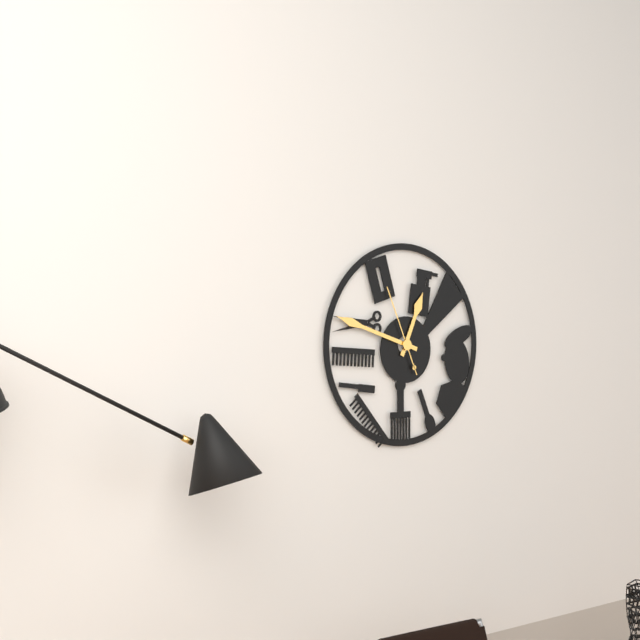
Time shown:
12,48,56
